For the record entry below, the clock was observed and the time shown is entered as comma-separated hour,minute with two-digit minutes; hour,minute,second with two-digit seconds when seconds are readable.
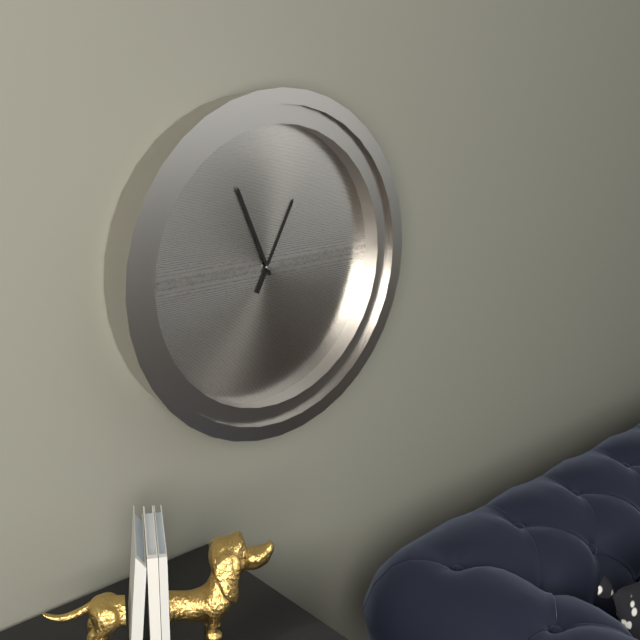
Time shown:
12,56
